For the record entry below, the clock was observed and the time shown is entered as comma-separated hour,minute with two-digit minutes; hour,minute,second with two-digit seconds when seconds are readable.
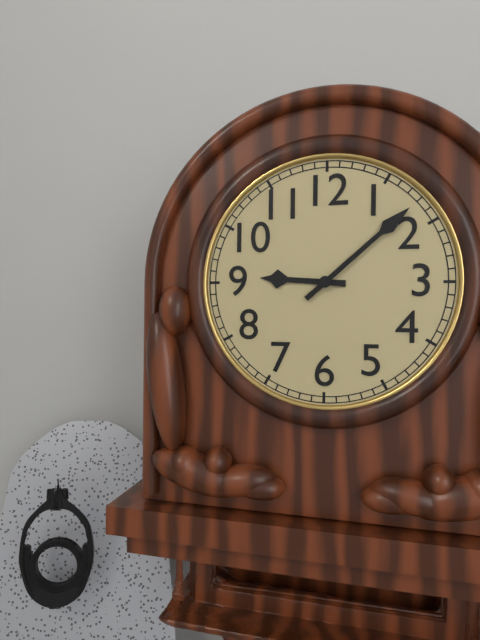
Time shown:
9,08
